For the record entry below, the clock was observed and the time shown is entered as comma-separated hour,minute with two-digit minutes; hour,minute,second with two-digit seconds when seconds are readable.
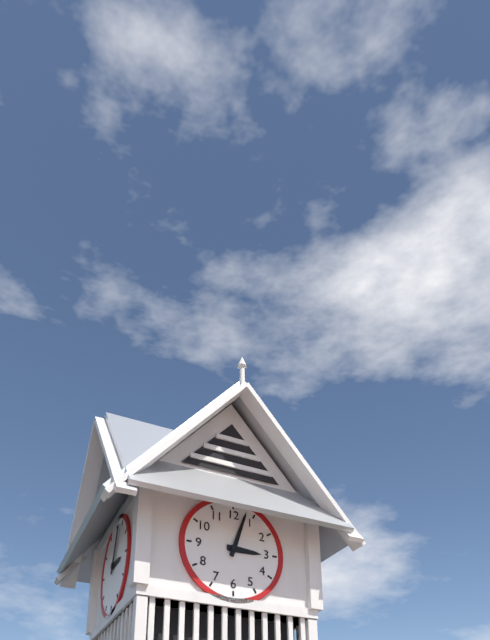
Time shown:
3,03
